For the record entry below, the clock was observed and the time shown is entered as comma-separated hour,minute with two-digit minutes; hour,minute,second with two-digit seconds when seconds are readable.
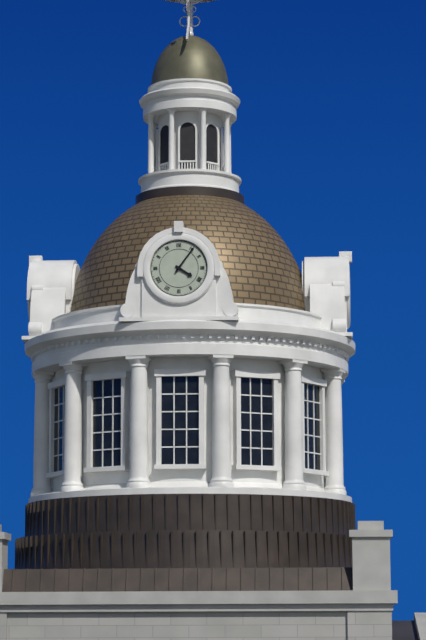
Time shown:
4,06
